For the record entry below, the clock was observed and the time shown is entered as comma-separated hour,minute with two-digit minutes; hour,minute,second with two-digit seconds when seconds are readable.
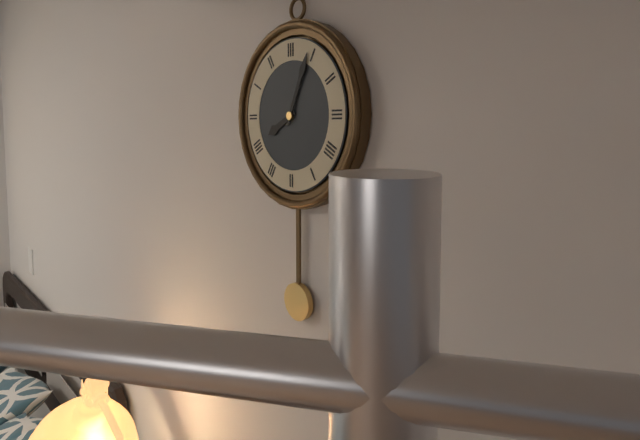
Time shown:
8,04
